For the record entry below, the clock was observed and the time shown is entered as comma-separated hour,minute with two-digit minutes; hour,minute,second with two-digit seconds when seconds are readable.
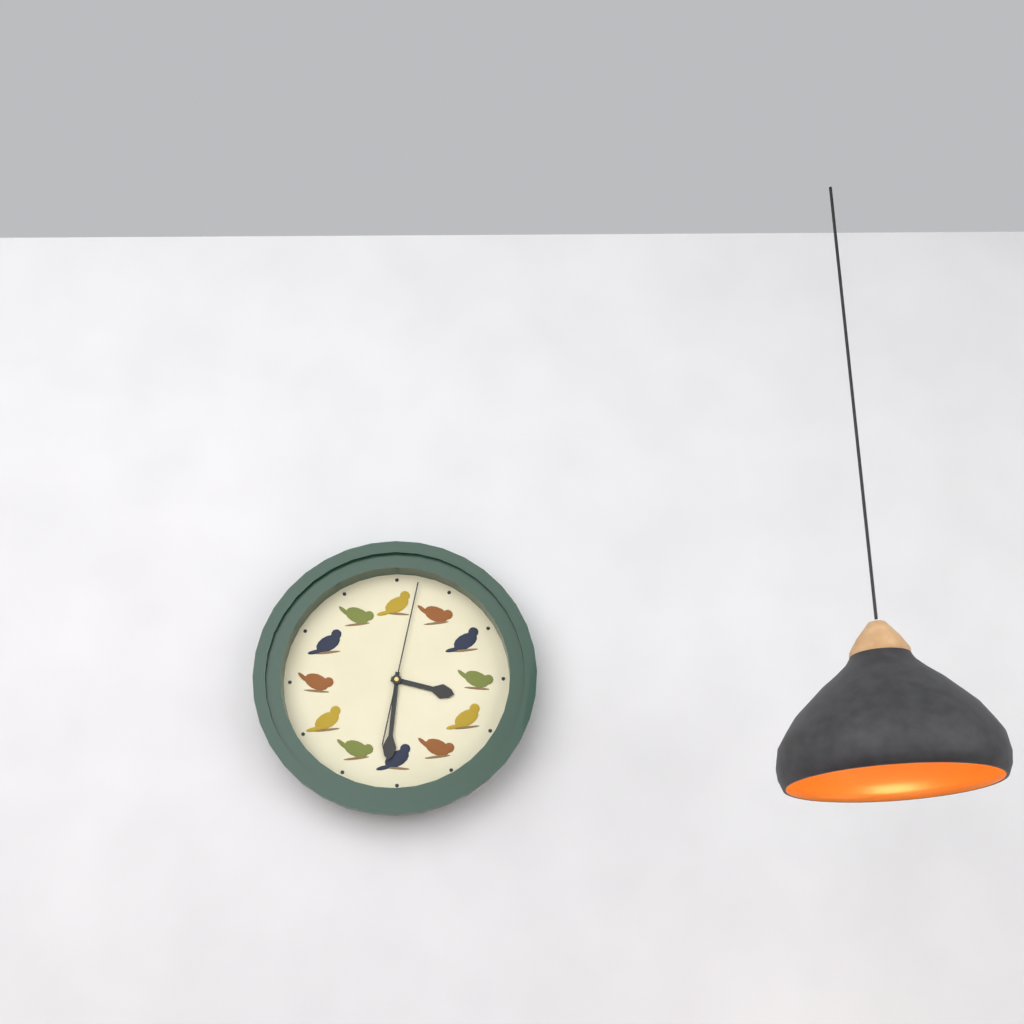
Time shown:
3,31,02
